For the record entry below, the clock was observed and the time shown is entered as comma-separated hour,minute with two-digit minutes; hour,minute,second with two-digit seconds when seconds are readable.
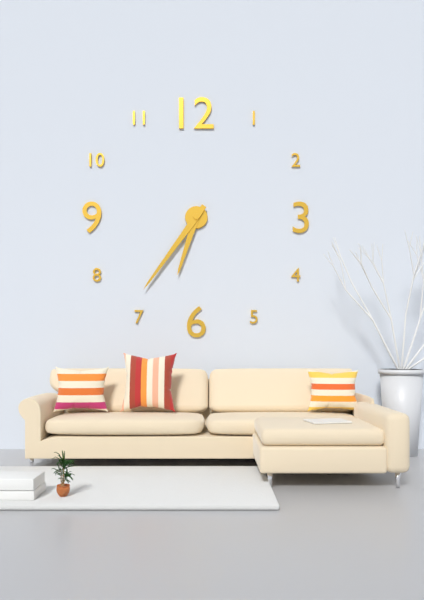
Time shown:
6,36
